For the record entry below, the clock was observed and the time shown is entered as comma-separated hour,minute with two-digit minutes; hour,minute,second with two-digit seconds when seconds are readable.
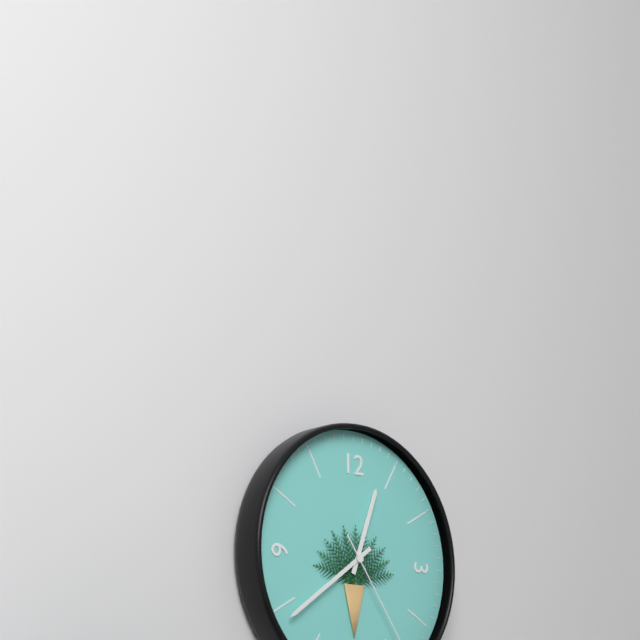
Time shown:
12,39
